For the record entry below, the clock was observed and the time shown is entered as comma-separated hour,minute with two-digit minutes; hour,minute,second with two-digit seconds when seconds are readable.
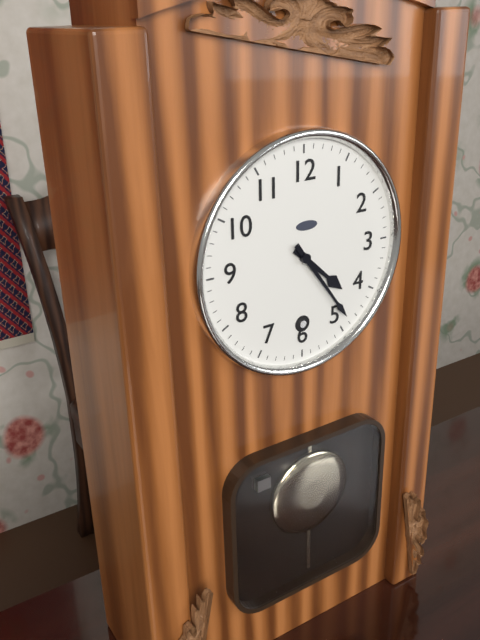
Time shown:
4,24
